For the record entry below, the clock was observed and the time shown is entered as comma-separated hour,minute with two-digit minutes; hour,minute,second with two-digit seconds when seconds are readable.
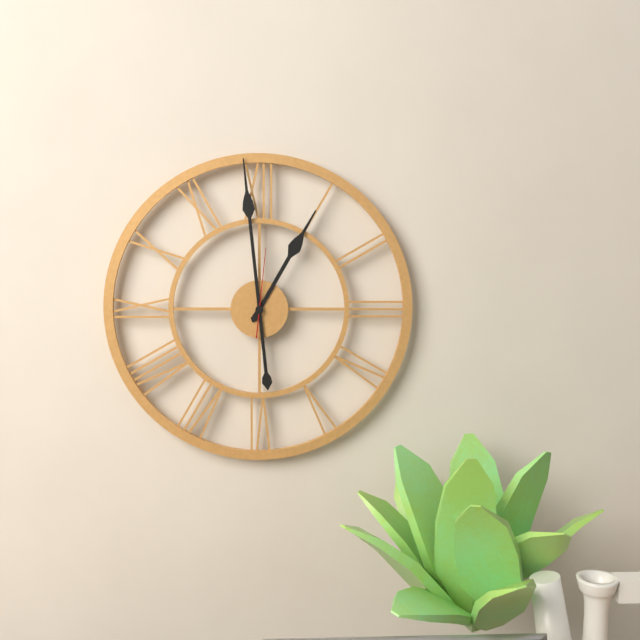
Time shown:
12,59,01
